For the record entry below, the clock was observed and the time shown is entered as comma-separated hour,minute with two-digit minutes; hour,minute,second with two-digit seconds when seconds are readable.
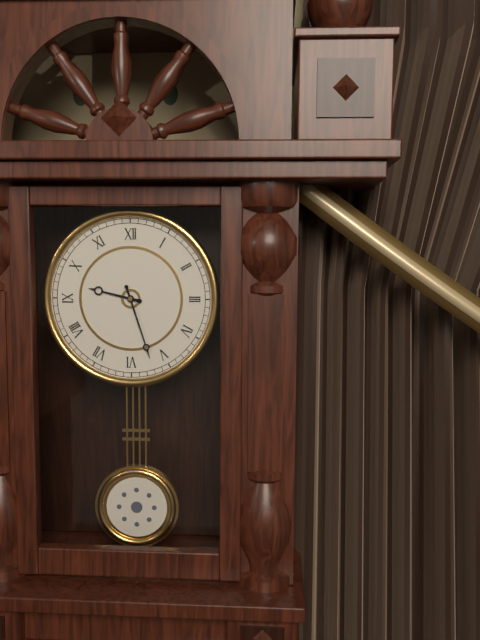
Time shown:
9,27
